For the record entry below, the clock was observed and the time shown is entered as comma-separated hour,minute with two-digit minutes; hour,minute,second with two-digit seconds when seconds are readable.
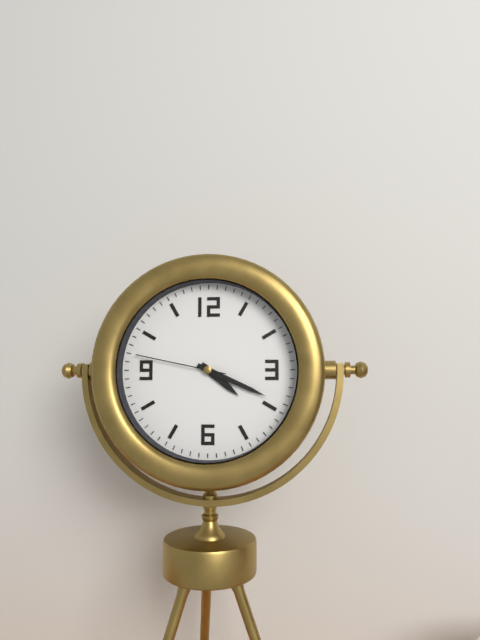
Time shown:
4,19,47
